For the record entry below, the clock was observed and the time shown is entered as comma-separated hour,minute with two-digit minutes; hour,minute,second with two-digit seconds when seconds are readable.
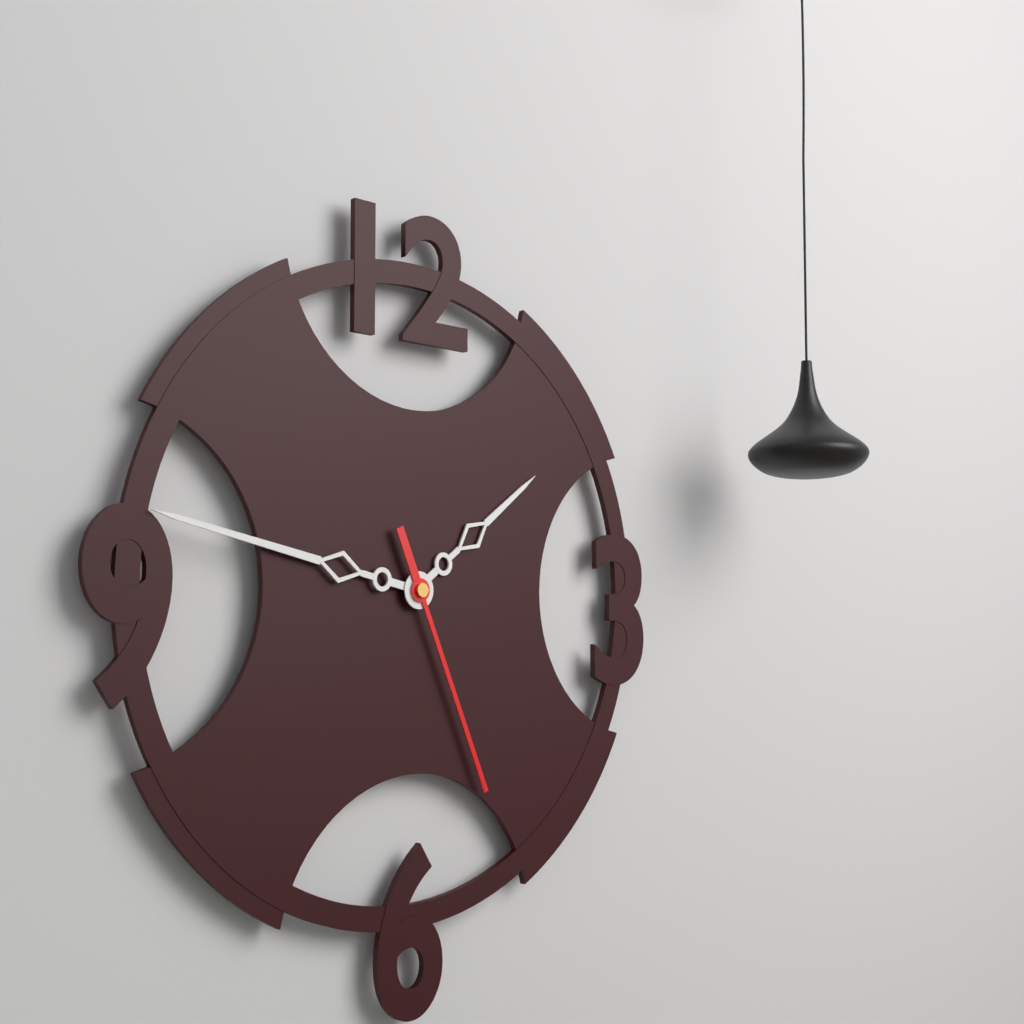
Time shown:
1,47,26
